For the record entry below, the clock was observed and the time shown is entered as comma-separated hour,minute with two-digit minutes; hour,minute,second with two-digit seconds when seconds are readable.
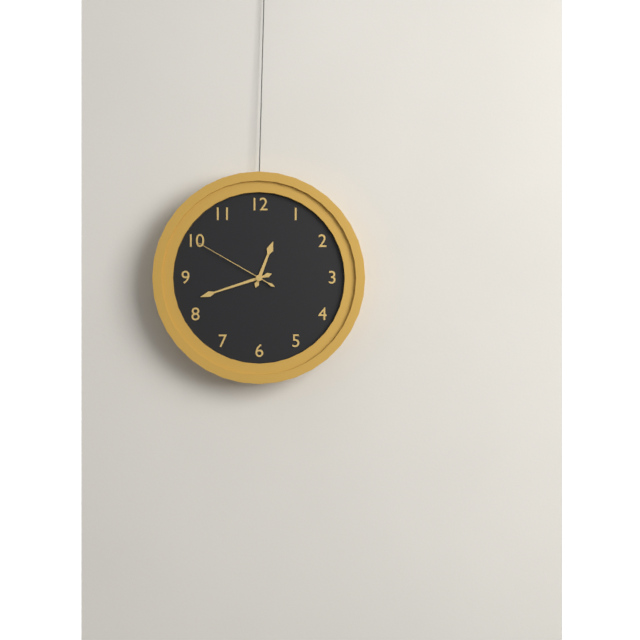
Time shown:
12,42,50
